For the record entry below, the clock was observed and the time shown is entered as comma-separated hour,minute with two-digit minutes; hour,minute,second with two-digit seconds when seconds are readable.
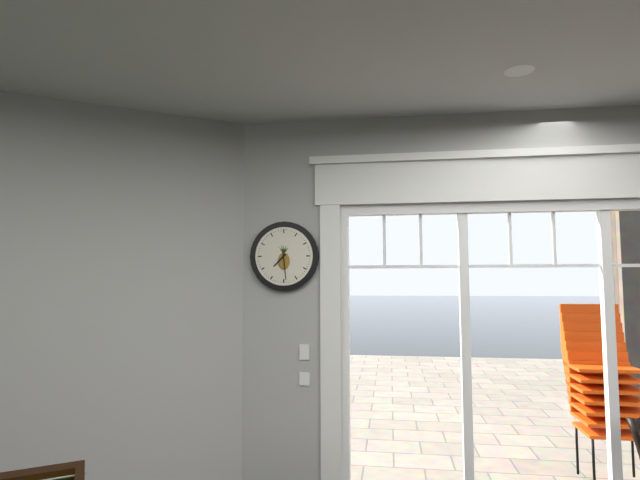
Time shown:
7,29
